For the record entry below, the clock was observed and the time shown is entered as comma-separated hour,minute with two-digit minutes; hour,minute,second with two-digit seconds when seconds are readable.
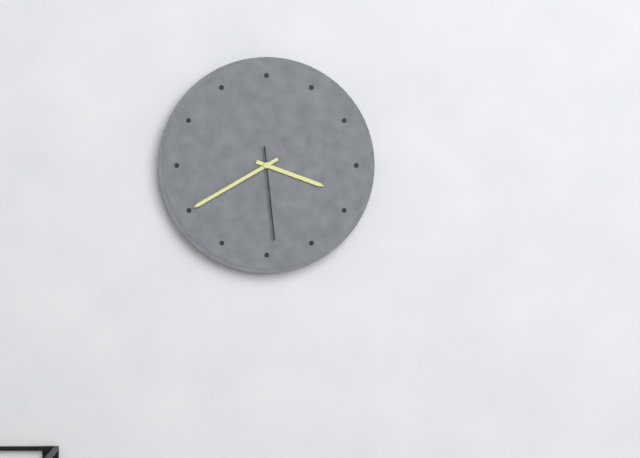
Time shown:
3,40,29
